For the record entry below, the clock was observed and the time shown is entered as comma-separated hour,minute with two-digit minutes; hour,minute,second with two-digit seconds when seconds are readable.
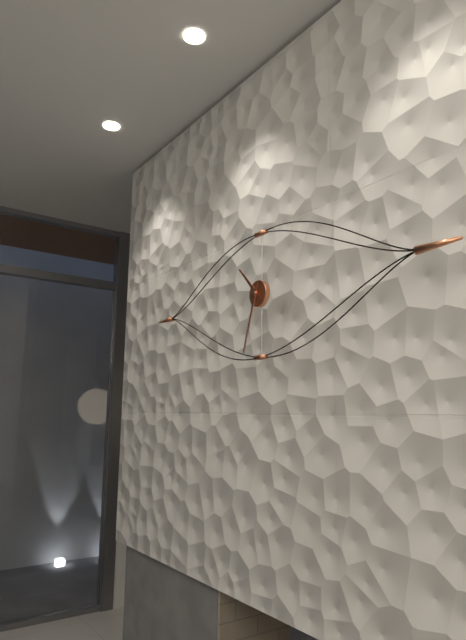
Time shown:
10,33
